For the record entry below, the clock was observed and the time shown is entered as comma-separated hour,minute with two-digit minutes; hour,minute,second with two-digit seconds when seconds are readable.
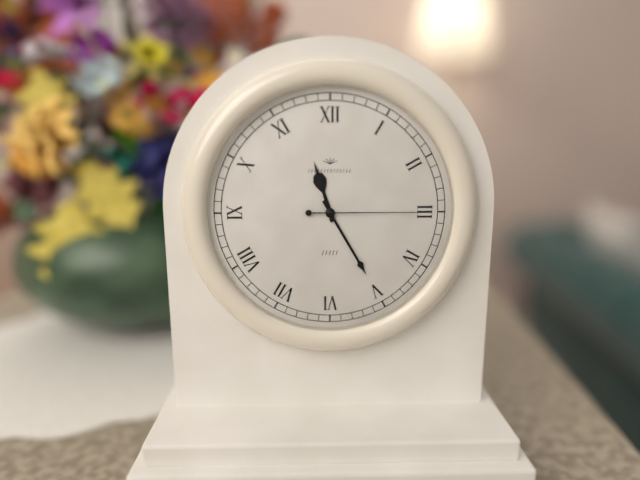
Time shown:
11,25,15
